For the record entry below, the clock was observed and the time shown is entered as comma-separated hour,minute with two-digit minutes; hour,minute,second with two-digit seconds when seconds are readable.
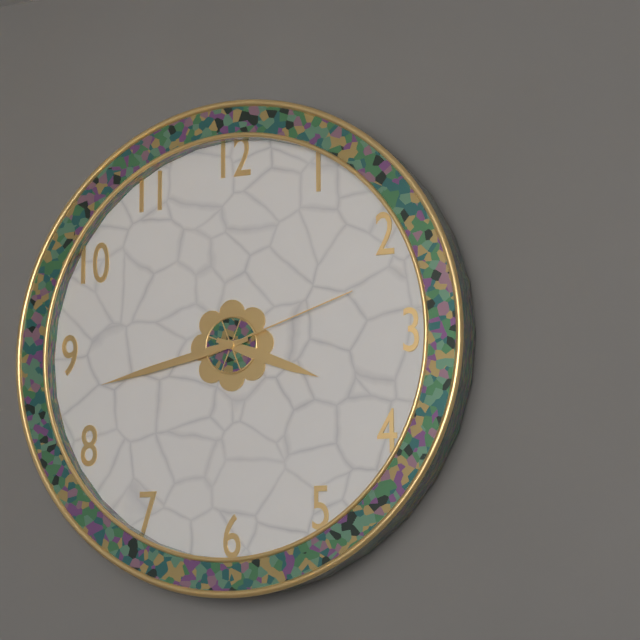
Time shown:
3,43,12
